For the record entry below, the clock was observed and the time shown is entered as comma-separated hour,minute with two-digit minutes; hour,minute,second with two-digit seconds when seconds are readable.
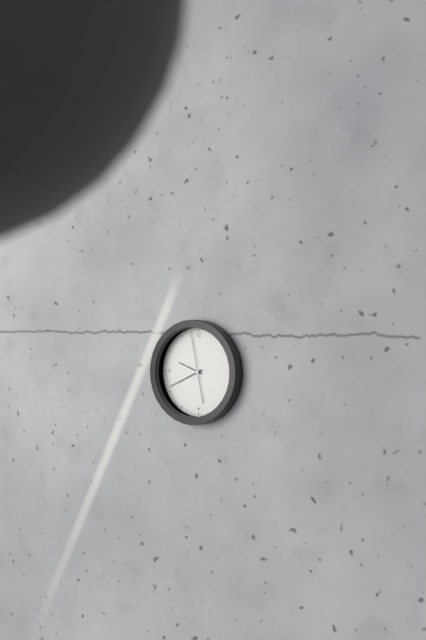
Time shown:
9,41,58
